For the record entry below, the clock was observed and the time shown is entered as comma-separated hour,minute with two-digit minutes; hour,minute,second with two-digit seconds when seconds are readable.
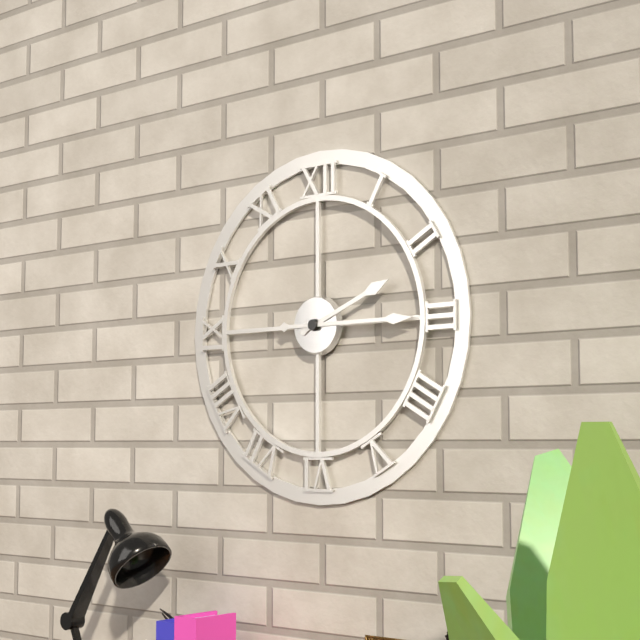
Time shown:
2,15
